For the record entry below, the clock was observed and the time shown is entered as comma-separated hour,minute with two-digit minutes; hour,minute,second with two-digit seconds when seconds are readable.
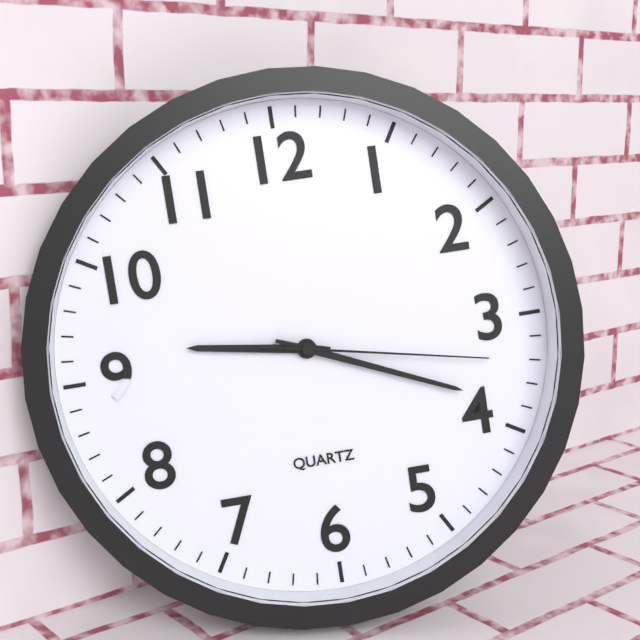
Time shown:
9,19,17
